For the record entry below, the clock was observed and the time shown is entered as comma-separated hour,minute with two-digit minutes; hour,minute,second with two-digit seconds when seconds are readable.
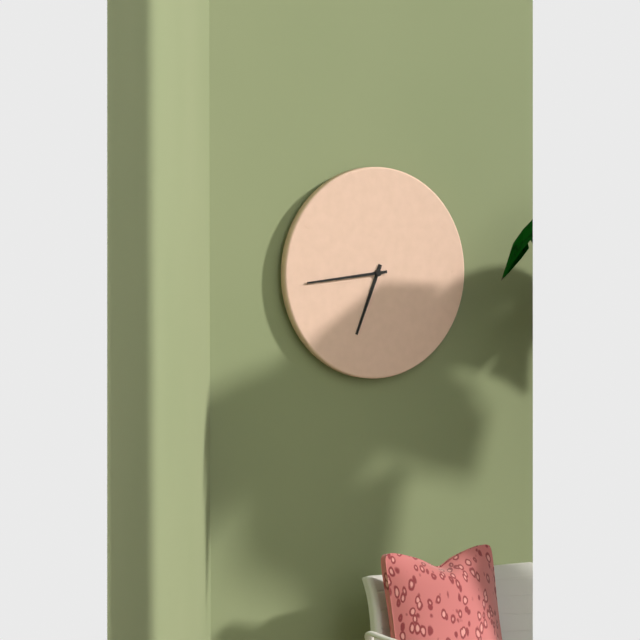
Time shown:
6,44
